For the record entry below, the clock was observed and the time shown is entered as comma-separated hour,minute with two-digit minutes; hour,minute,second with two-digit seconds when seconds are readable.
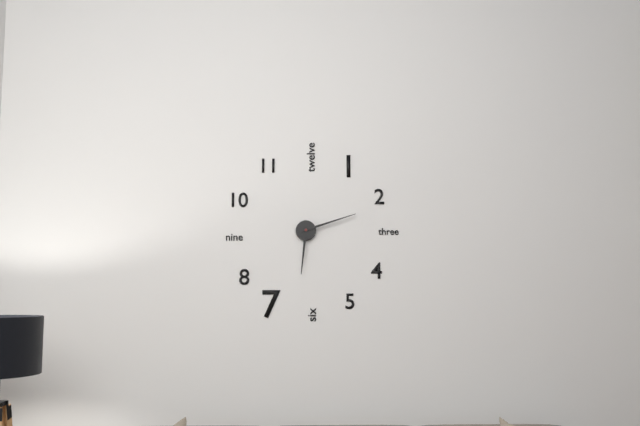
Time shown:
6,12
